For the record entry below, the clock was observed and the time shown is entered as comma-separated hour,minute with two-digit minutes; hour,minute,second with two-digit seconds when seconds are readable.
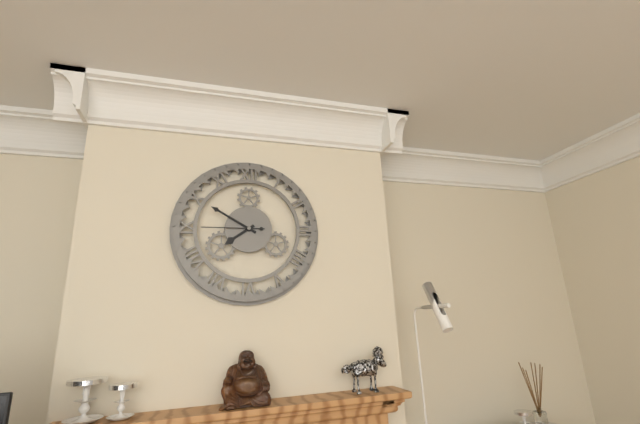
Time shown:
7,50,45
